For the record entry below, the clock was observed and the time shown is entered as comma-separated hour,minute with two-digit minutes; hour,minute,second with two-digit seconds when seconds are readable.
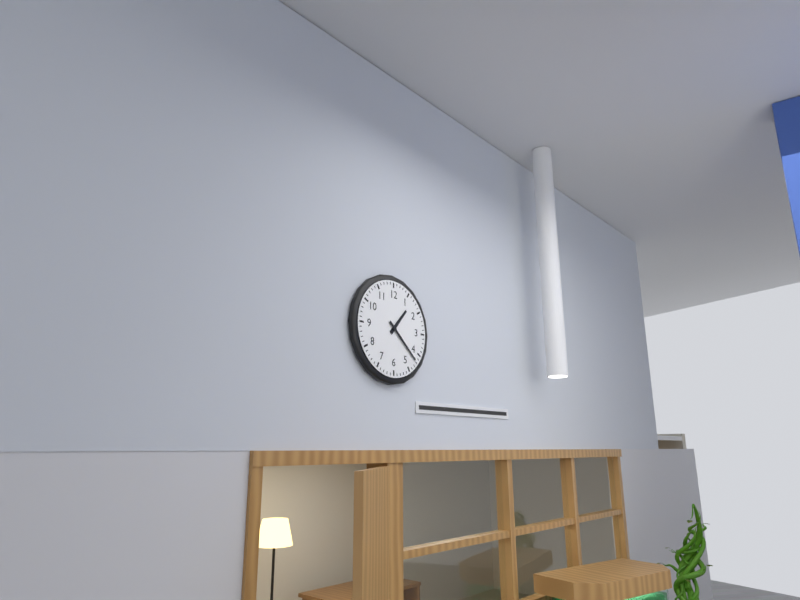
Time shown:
1,22
